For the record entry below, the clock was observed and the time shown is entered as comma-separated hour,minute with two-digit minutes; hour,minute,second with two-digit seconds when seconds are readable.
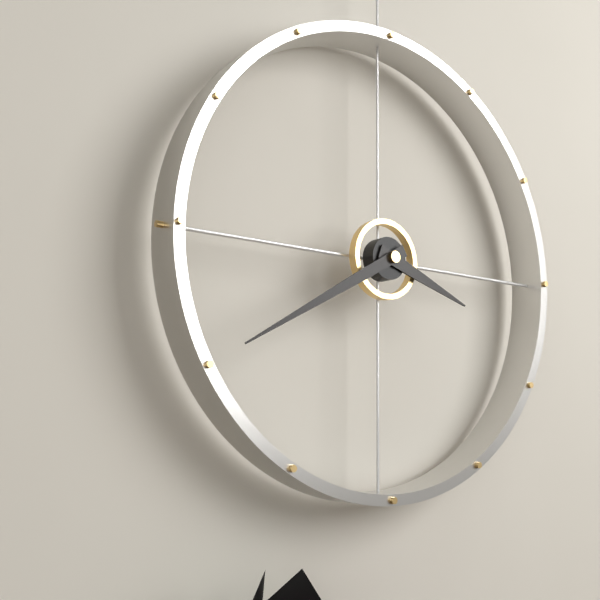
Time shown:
3,40
